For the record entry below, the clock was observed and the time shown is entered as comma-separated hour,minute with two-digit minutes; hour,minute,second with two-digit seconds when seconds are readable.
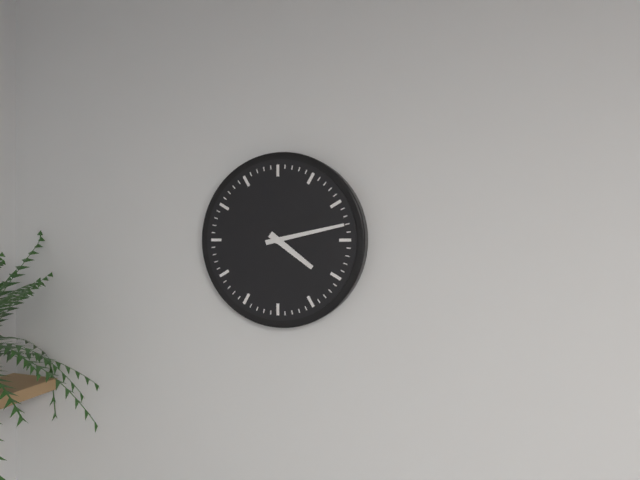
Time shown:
4,13
